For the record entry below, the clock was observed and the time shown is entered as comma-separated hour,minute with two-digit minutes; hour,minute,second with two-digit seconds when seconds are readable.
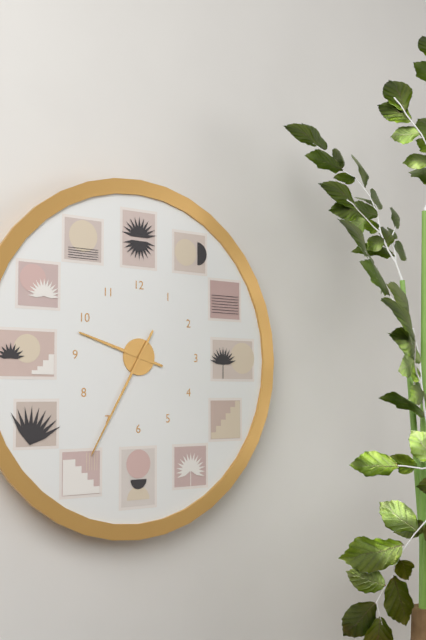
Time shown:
9,35
